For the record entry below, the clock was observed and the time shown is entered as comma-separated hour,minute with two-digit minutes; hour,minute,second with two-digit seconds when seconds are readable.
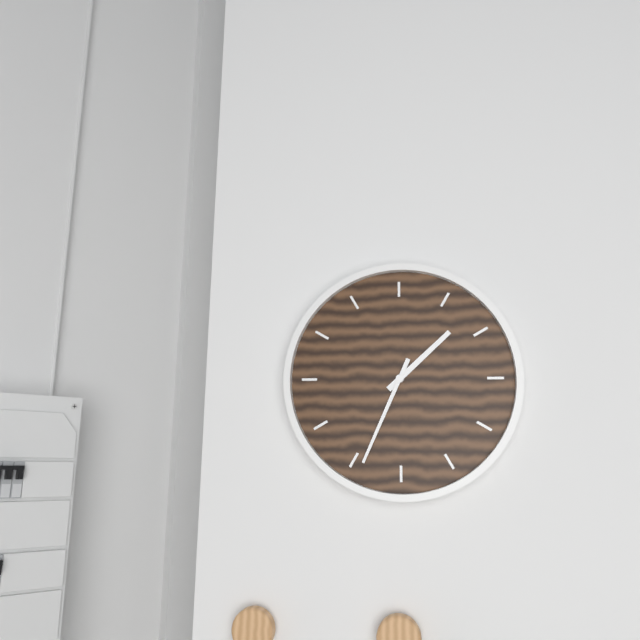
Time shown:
1,34
